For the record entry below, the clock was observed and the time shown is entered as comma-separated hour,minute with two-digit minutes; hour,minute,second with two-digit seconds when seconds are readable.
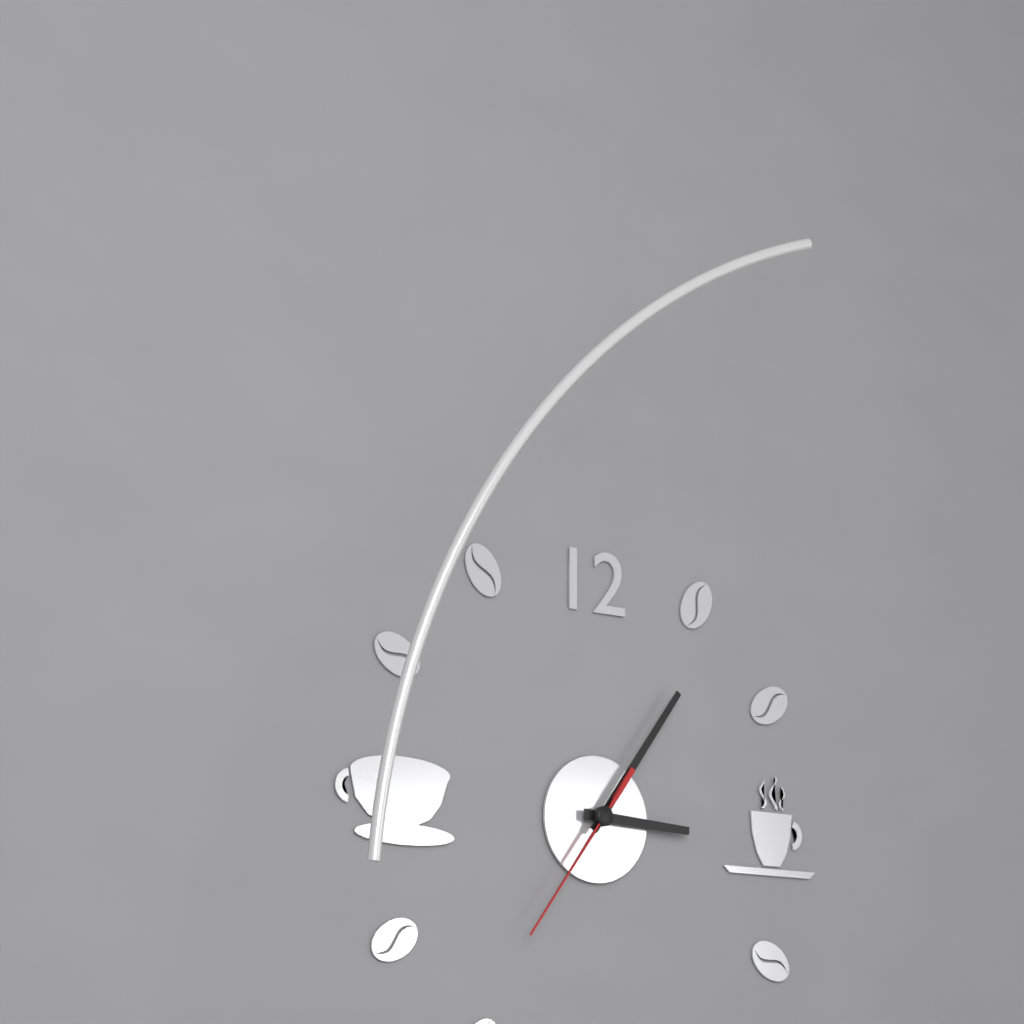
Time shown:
3,06,36
